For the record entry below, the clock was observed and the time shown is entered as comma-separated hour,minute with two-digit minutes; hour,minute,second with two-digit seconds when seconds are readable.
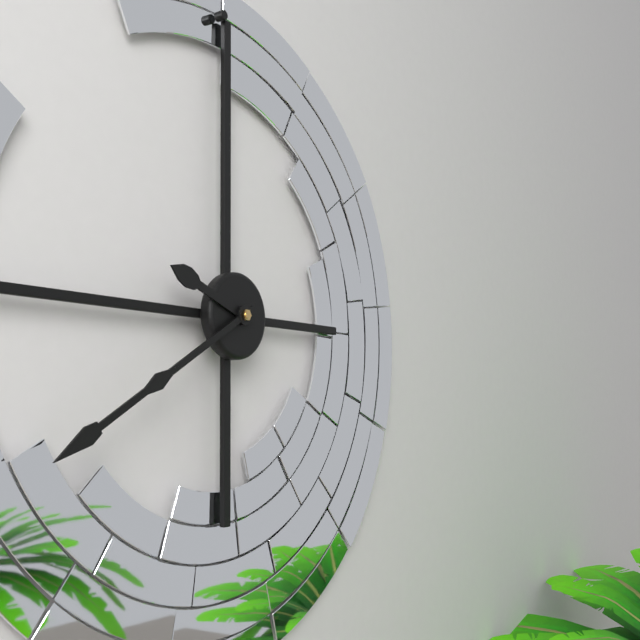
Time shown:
9,40
